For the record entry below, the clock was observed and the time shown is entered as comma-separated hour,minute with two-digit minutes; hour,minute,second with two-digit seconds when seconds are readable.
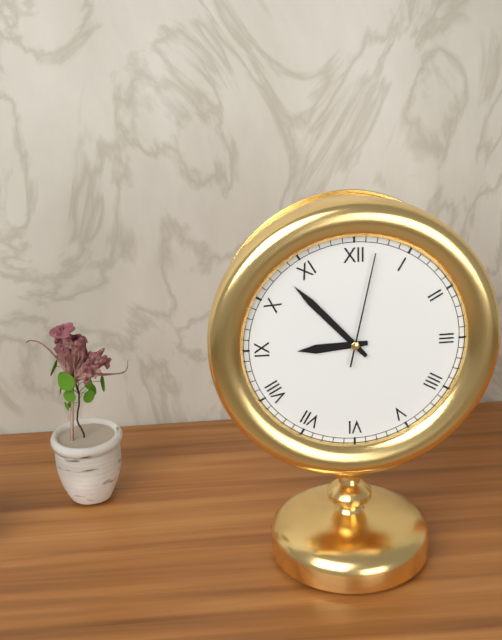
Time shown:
8,53,02
